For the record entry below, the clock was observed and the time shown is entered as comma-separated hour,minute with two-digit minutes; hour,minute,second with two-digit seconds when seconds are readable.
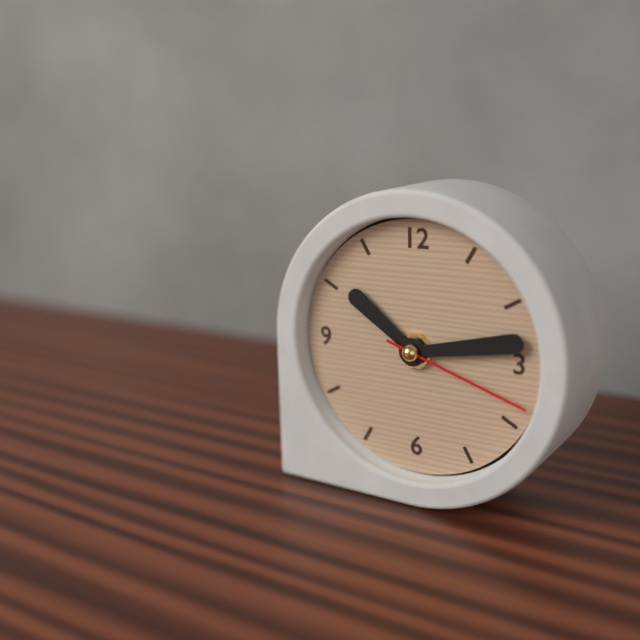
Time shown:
10,13,18
